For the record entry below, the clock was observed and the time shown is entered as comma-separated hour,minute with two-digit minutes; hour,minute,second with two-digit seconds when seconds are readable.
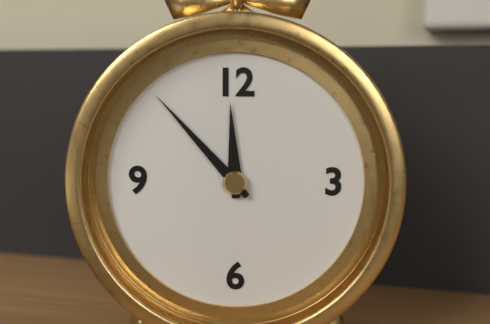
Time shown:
11,53
